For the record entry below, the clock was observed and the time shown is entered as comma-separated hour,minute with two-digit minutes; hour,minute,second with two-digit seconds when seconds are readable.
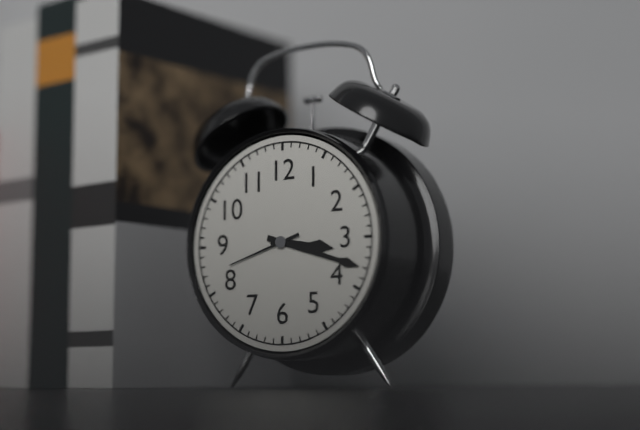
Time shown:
3,18,42
